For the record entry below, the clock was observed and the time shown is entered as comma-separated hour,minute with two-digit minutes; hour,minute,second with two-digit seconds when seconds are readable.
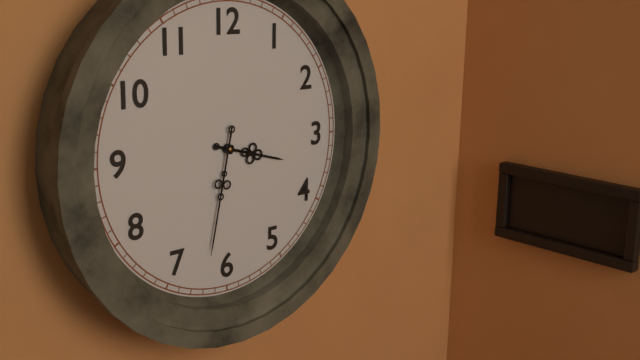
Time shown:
3,32
